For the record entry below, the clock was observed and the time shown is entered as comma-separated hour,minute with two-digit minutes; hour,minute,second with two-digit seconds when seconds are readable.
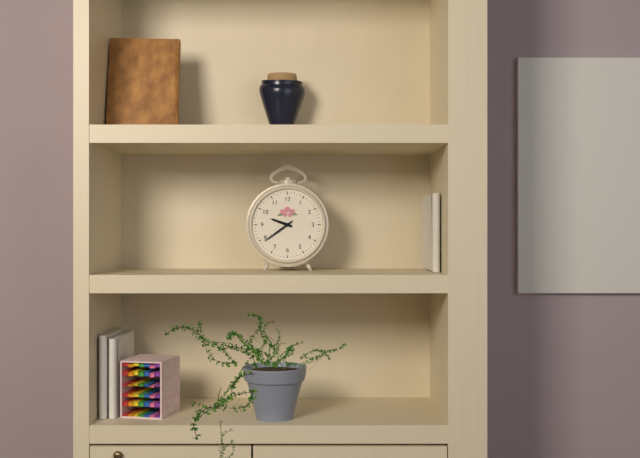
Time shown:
9,39
